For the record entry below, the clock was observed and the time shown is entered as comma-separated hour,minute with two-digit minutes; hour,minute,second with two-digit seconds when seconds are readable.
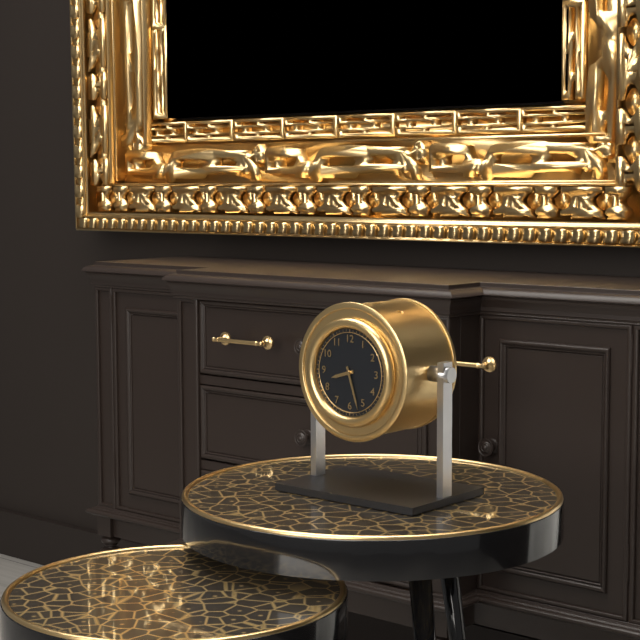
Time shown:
8,27
